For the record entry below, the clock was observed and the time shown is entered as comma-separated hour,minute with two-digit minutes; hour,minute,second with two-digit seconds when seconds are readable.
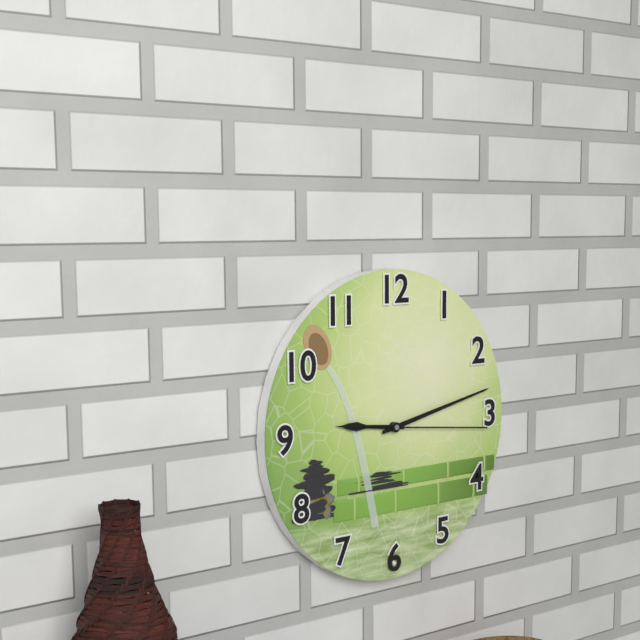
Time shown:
9,13,16
